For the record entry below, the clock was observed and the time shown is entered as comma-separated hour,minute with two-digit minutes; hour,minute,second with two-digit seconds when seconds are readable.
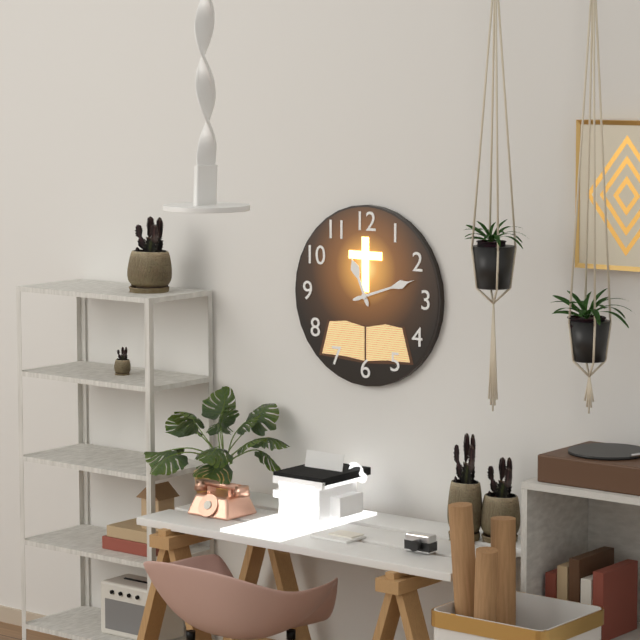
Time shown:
11,12
